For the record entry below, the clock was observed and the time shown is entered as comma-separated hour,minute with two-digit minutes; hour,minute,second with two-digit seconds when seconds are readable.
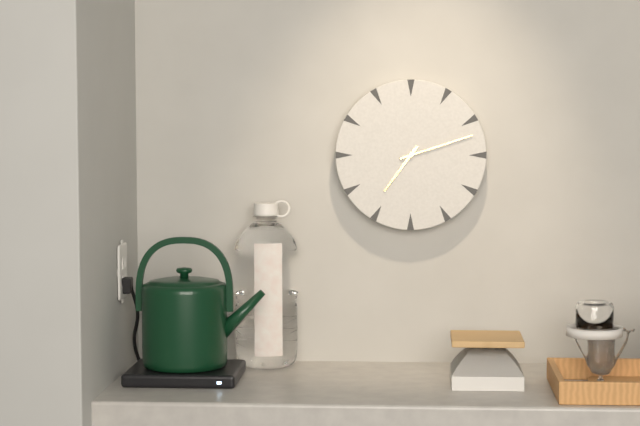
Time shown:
7,12
